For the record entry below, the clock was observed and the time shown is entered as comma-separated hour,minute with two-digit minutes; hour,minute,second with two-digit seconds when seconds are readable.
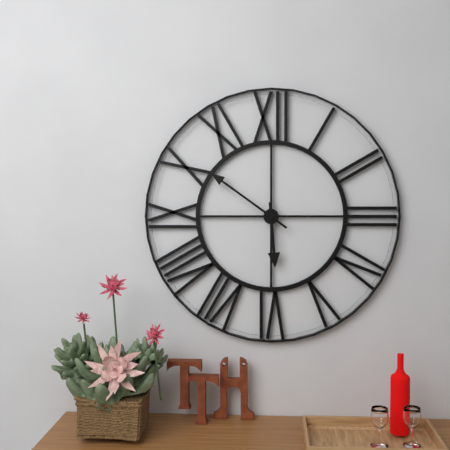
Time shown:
5,51
